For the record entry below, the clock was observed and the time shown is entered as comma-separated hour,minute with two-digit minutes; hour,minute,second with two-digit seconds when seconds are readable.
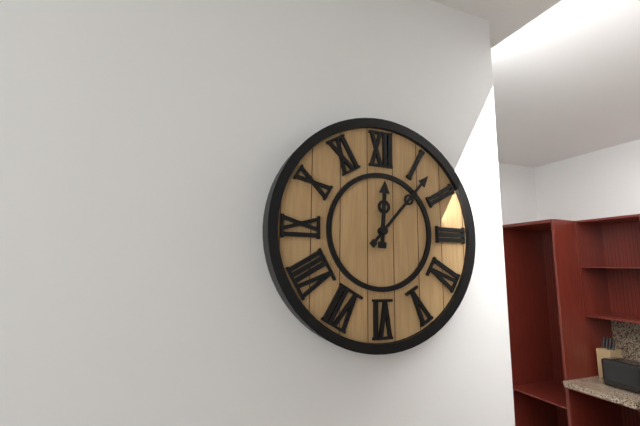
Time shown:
12,07
